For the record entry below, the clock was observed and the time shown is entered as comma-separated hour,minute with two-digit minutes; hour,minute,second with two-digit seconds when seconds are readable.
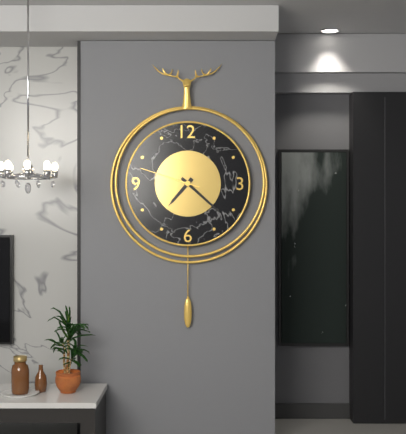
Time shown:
7,22,48
